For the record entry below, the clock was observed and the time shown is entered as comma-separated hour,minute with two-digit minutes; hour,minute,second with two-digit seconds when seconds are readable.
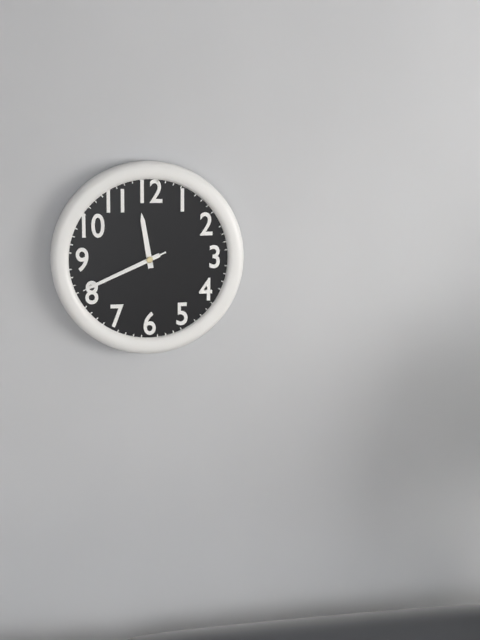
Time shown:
11,41,41
